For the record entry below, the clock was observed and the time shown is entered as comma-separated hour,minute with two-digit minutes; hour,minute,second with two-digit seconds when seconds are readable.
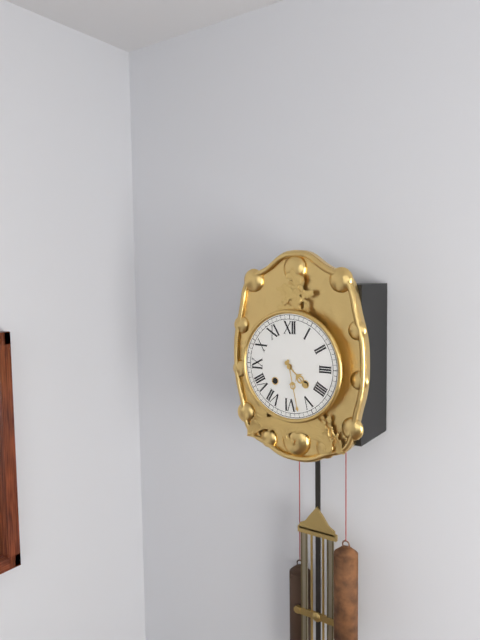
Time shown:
4,28
